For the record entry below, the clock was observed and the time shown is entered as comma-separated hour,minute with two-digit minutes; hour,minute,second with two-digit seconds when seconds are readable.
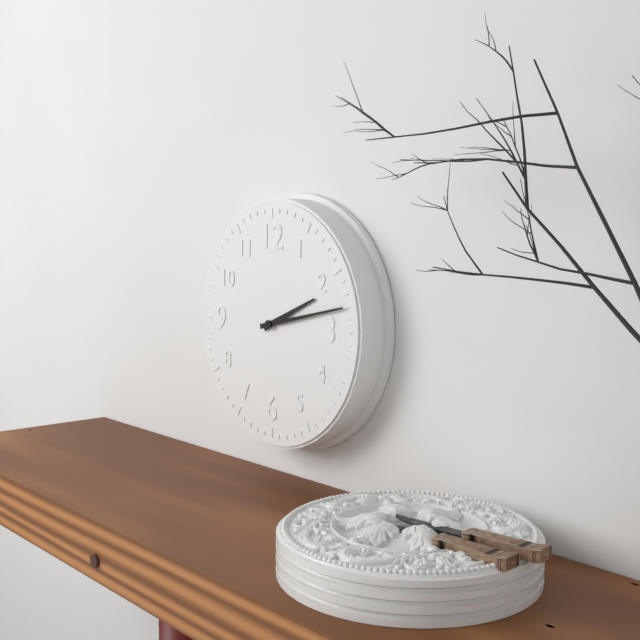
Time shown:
2,13
